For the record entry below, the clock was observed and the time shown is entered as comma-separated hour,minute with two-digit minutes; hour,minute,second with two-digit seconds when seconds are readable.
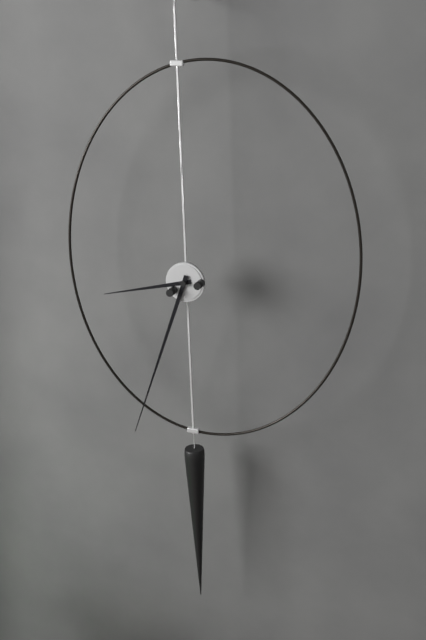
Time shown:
8,33
